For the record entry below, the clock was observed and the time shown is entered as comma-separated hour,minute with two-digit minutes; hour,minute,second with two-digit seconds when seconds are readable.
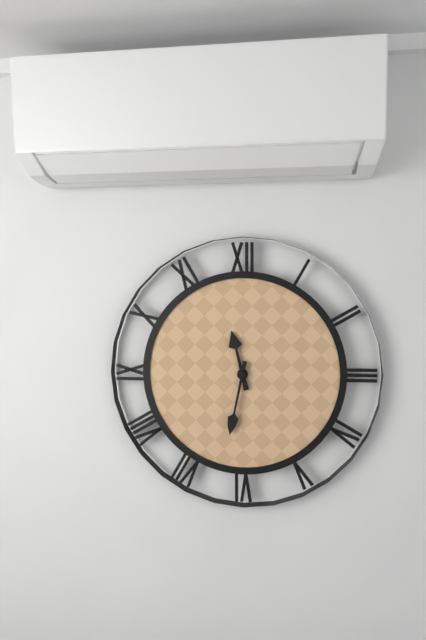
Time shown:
11,32
